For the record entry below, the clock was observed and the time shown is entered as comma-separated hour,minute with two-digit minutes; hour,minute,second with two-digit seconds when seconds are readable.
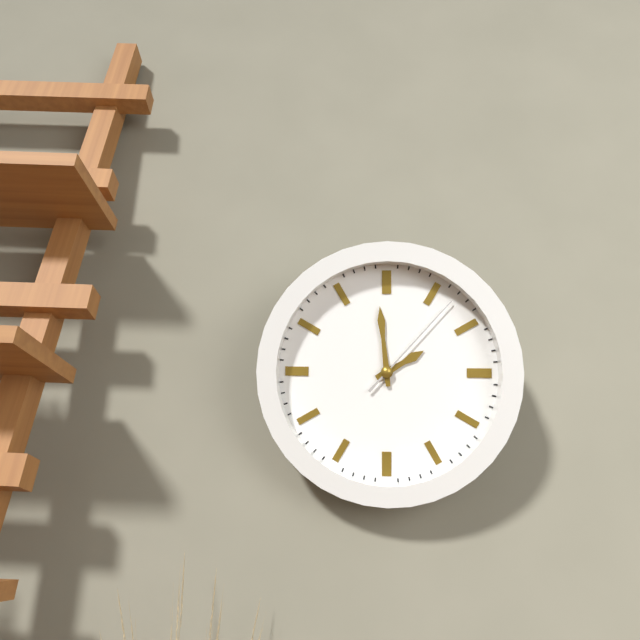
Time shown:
1,59,07
